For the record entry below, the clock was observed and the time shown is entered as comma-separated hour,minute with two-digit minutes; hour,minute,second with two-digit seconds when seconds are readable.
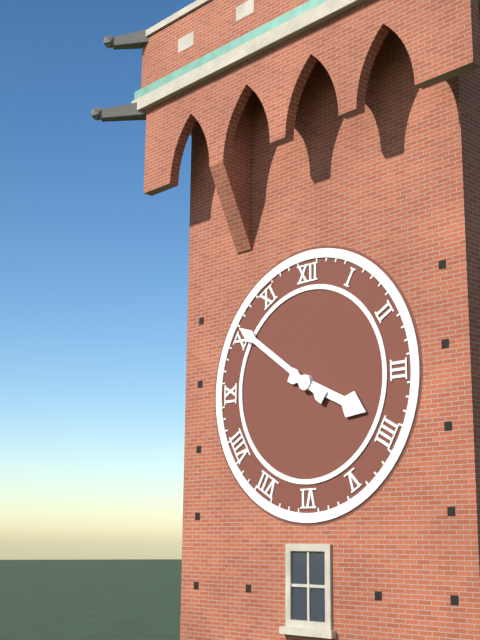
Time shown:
3,51
